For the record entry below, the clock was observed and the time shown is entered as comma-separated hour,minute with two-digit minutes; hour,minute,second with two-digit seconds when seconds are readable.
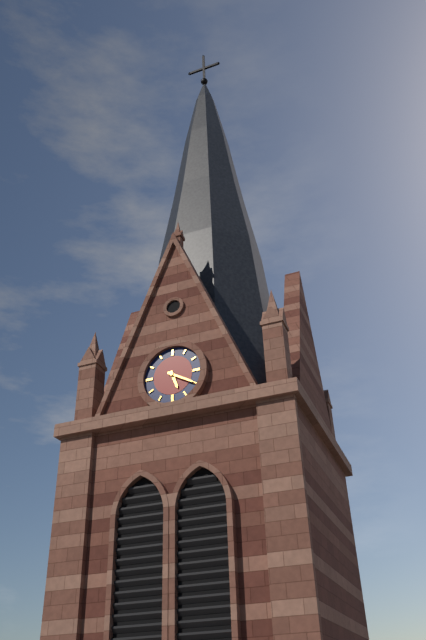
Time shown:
5,20
